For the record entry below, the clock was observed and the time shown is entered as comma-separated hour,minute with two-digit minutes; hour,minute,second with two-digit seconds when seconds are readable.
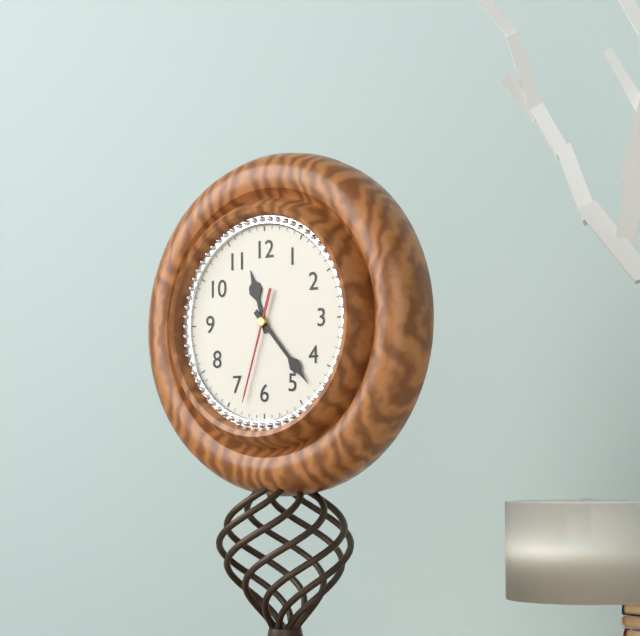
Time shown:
11,23,33
